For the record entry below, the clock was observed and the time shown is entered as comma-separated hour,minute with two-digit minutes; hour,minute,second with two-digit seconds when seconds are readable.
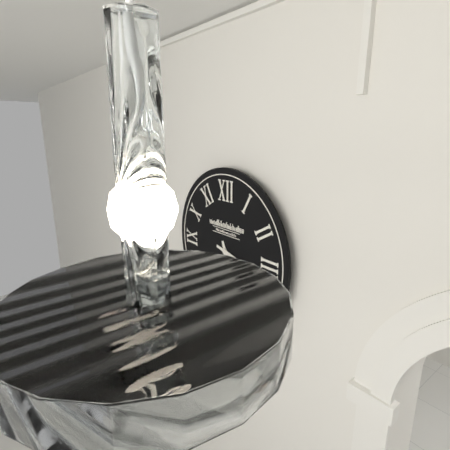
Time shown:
5,17
